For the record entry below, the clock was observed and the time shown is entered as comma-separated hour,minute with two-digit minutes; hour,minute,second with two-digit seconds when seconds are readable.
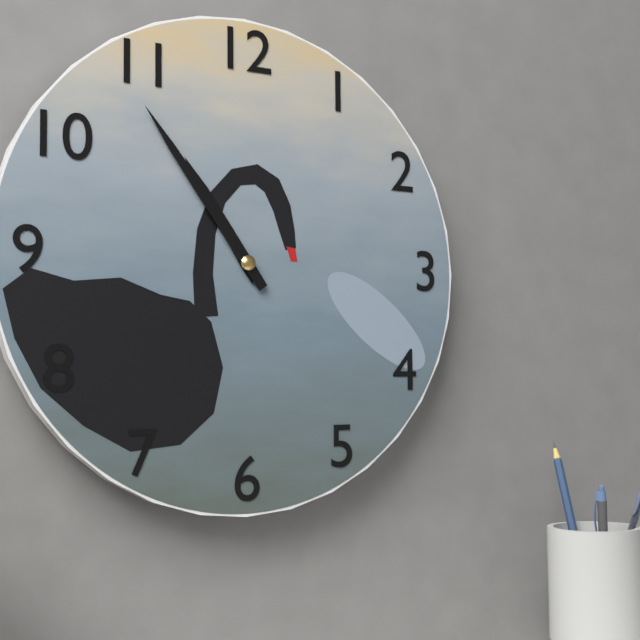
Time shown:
10,54
